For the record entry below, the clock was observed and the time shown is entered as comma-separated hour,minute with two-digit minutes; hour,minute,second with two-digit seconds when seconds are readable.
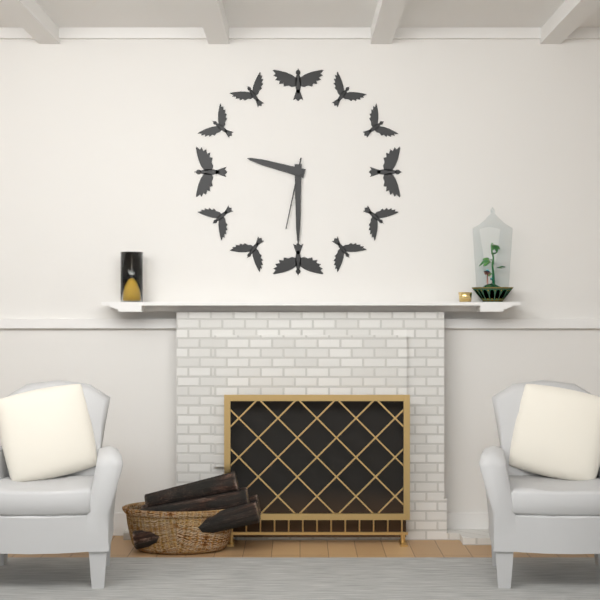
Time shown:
9,30,32
